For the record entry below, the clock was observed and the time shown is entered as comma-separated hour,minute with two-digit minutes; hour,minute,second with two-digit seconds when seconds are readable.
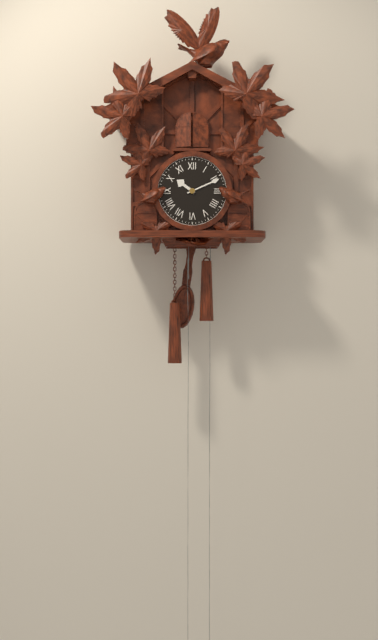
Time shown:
10,11
